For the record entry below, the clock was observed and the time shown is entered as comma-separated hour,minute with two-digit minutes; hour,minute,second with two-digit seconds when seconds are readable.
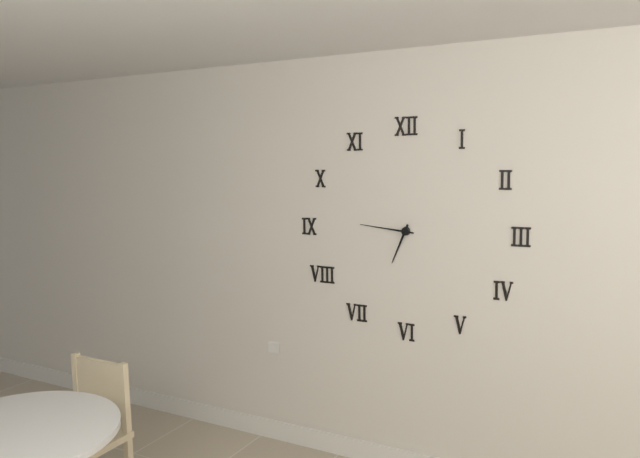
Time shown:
6,46
